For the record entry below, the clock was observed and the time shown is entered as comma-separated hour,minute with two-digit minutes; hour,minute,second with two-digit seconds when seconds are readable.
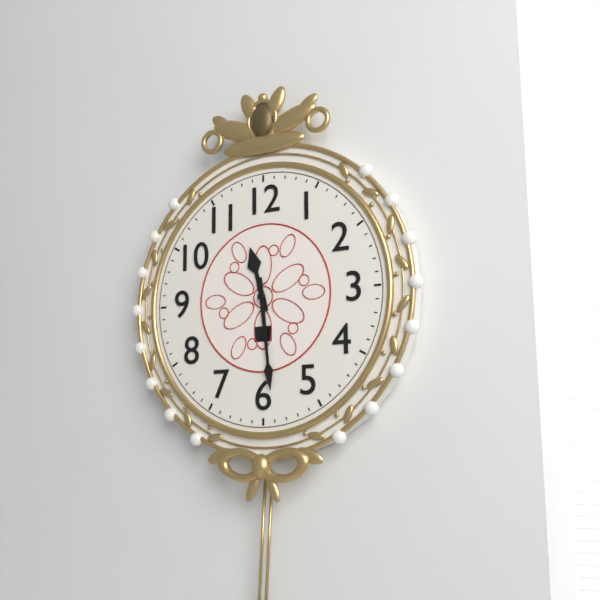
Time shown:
11,29
